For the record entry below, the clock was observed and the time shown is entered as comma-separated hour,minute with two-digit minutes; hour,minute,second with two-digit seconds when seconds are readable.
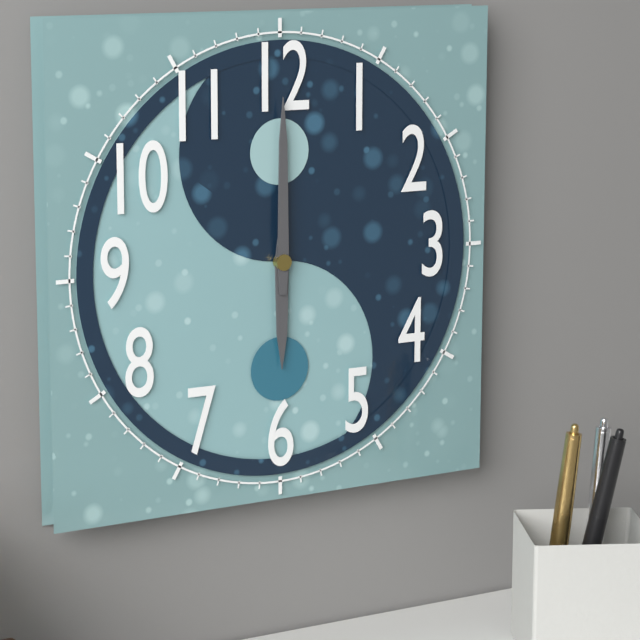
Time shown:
6,00
